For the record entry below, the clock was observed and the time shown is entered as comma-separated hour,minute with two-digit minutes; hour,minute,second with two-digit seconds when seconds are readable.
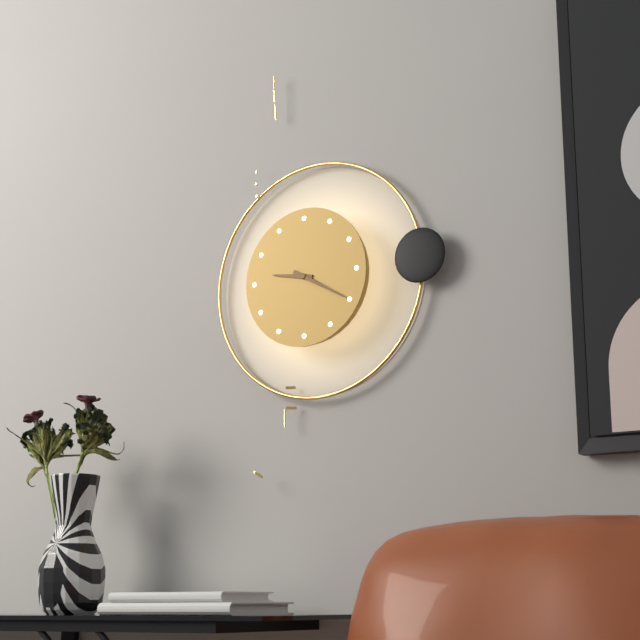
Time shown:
9,20
